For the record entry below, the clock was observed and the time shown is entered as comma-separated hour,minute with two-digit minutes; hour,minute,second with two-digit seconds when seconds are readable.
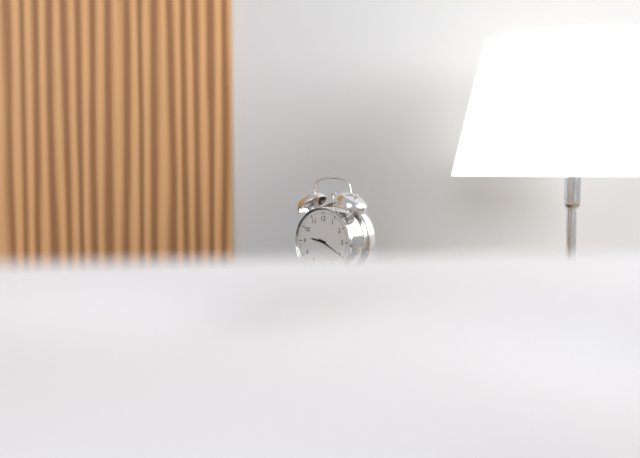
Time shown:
9,20
